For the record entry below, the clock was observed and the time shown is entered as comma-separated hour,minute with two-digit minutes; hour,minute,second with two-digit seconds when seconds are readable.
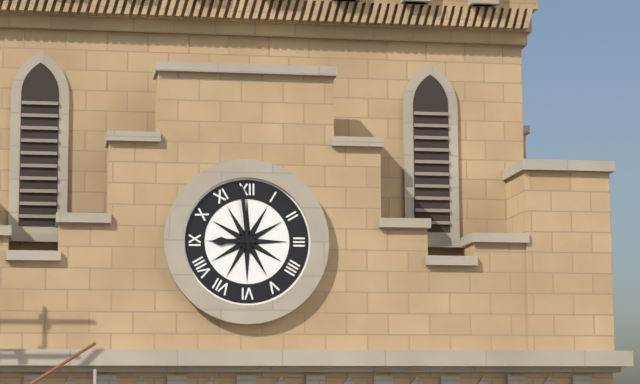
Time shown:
8,59
